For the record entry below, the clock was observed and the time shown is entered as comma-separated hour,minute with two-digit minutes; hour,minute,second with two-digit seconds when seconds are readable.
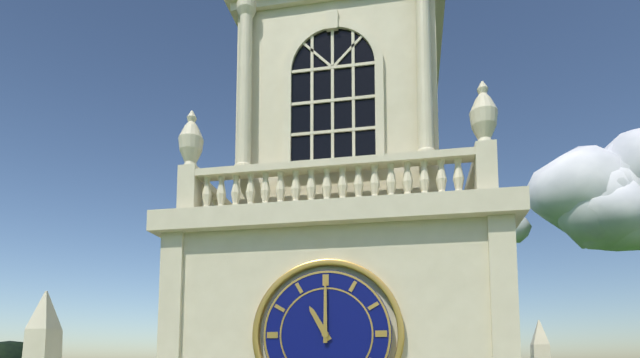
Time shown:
11,00
